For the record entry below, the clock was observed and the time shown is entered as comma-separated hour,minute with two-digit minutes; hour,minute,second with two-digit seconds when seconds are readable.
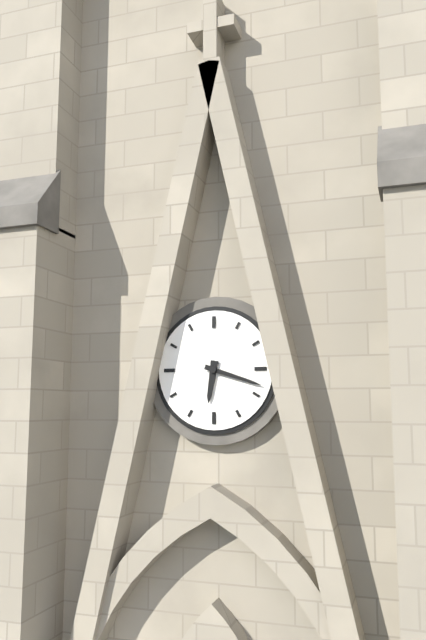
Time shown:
6,18
